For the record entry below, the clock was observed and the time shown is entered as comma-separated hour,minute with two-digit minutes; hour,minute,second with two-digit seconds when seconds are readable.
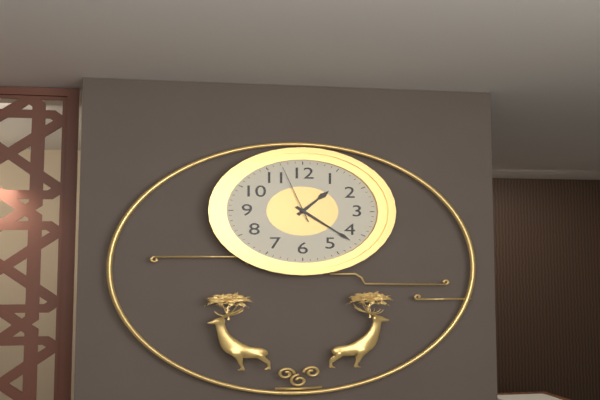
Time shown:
1,22,57
